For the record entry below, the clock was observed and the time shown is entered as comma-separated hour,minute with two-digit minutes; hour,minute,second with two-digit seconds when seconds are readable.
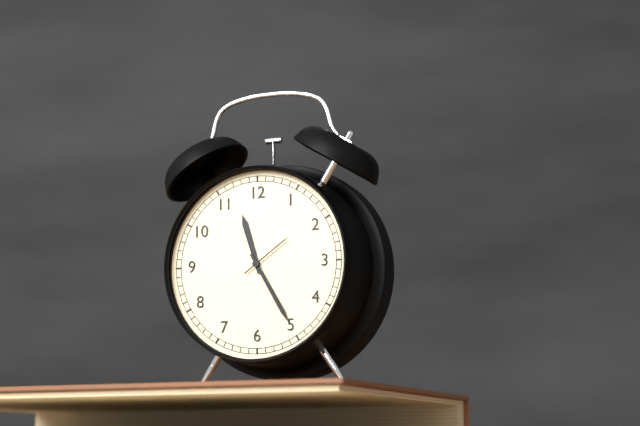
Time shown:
11,25,09
